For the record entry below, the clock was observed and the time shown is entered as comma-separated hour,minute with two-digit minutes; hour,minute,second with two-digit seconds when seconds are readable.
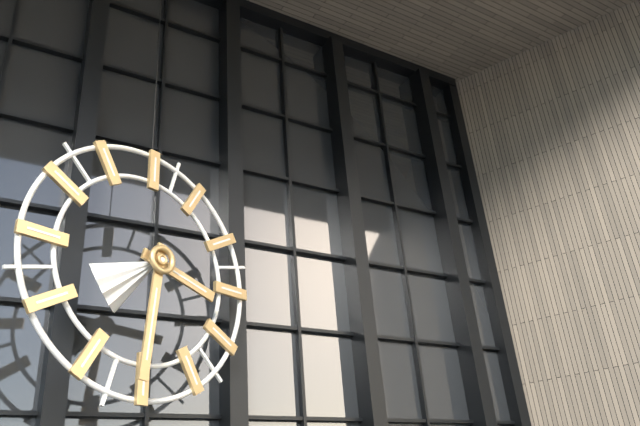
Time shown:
3,31
